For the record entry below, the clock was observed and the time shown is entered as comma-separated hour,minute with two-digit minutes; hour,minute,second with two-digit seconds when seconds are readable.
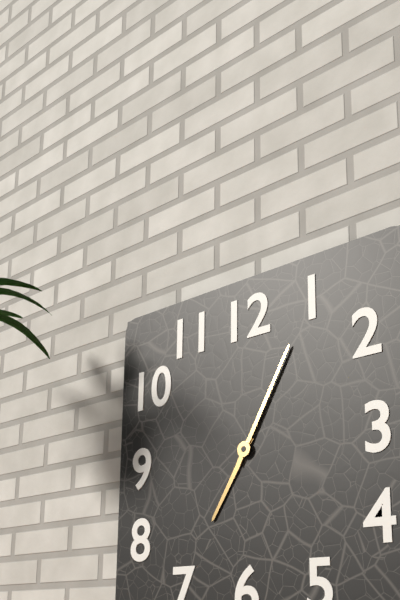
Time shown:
7,05
